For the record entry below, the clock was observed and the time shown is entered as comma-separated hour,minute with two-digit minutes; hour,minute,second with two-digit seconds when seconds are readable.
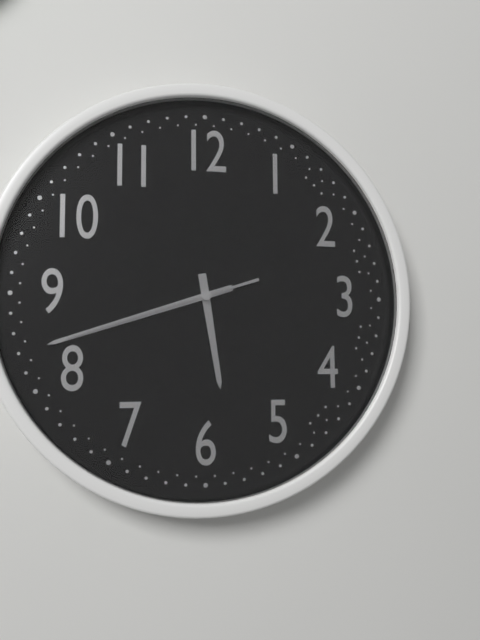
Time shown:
5,42,42
